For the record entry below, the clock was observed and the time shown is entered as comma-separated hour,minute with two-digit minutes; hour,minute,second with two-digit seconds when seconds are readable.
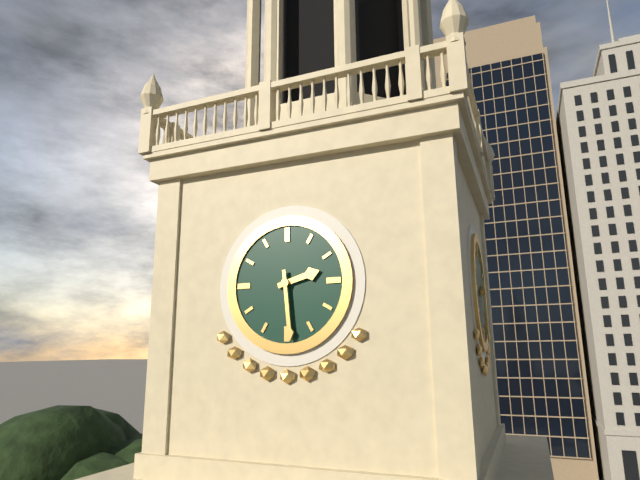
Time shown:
2,29
